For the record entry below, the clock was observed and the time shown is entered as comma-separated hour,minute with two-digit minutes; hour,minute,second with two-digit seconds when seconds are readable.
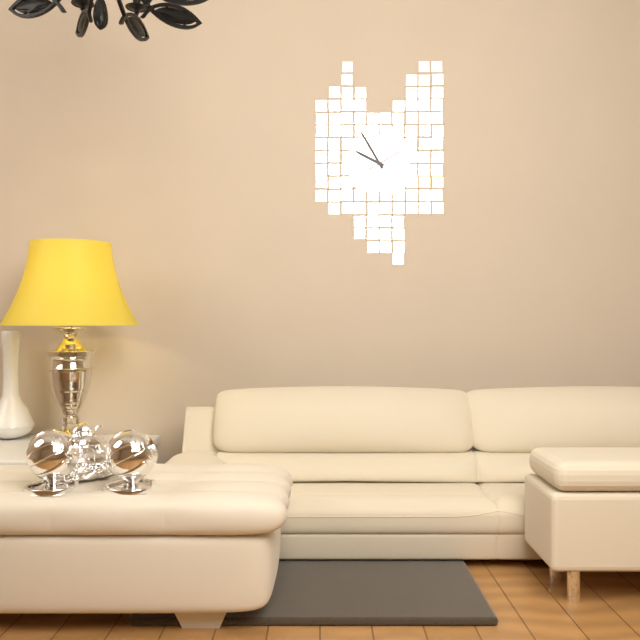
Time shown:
9,55
